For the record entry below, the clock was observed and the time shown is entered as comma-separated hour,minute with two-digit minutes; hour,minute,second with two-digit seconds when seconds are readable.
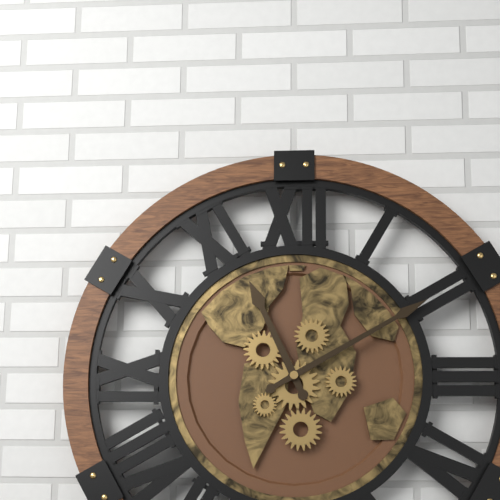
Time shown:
11,10
